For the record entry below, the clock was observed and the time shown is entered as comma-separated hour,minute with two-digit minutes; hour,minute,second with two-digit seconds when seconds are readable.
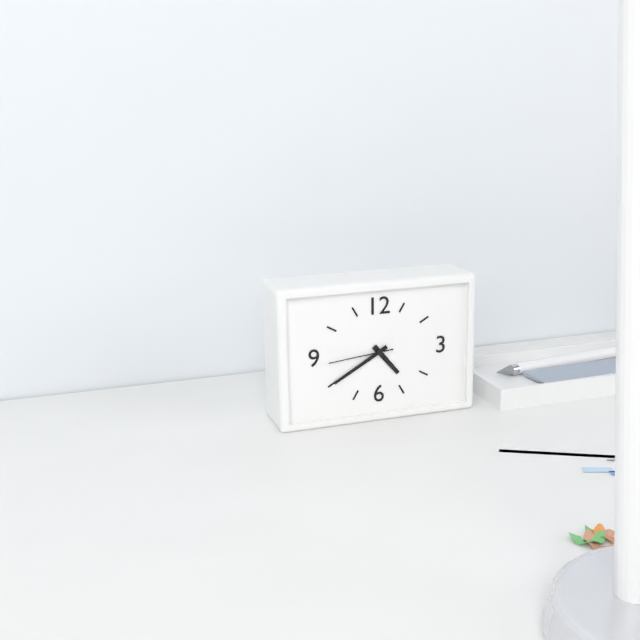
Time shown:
4,40,44
